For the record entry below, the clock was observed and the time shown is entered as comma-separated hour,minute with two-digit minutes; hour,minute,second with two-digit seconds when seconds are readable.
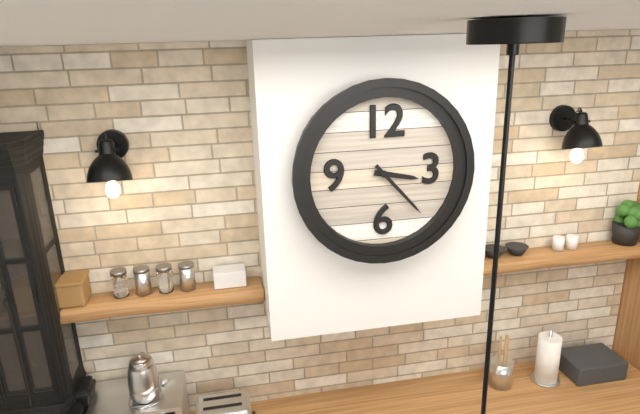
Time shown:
3,23
